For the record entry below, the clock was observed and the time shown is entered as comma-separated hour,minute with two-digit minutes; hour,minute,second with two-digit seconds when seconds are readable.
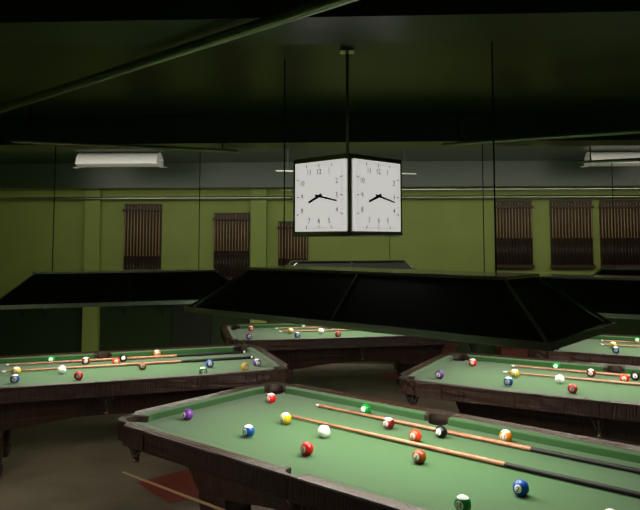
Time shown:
8,17
